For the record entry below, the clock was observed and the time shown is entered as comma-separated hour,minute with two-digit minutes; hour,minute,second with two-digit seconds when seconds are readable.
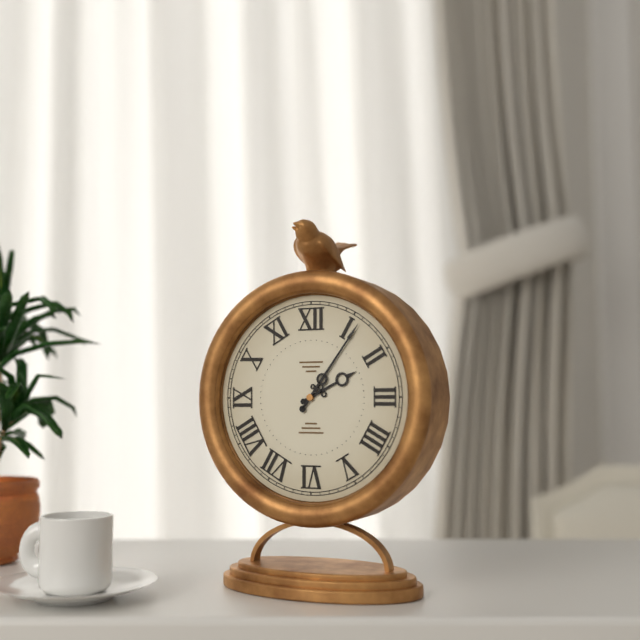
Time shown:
2,06
